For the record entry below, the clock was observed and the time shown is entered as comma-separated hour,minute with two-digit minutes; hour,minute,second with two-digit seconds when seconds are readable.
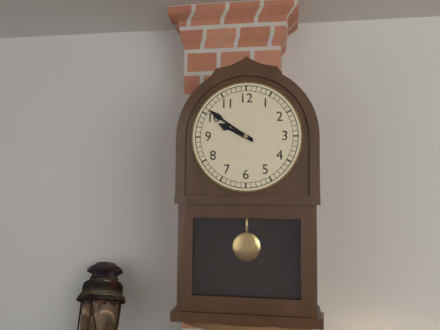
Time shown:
9,51
